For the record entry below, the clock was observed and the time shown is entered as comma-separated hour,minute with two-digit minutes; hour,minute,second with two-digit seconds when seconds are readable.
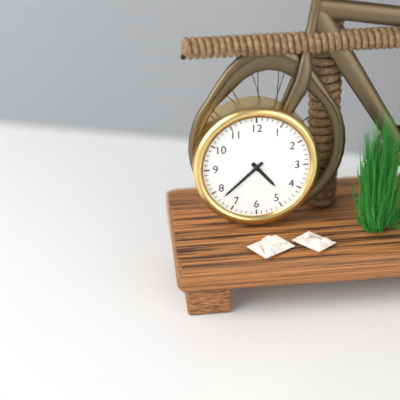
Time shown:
4,38
